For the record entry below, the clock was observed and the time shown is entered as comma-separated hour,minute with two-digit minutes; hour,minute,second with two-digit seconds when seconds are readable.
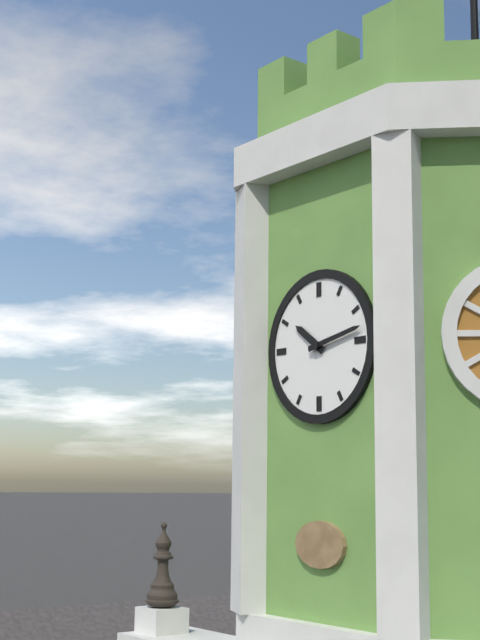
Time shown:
10,13
